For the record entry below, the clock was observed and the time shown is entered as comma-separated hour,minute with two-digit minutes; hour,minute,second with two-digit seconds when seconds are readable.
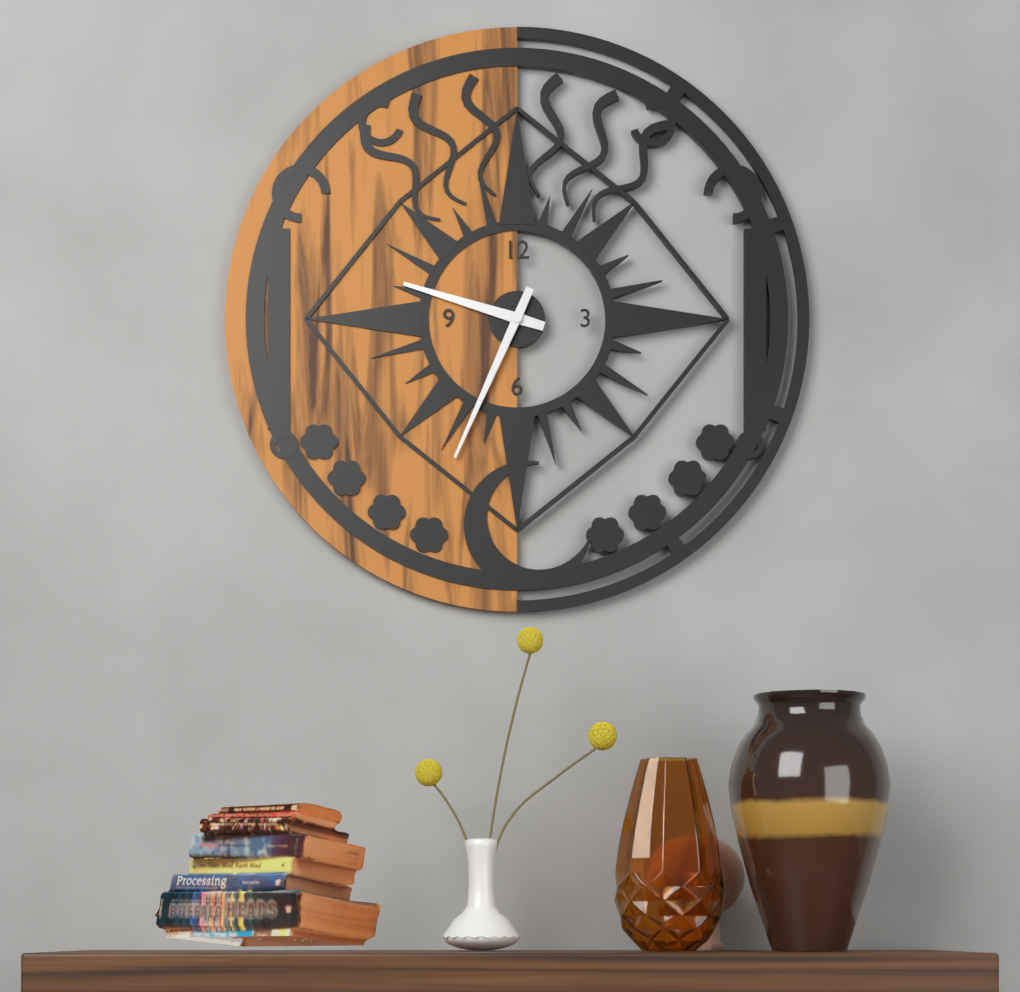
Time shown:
9,34
